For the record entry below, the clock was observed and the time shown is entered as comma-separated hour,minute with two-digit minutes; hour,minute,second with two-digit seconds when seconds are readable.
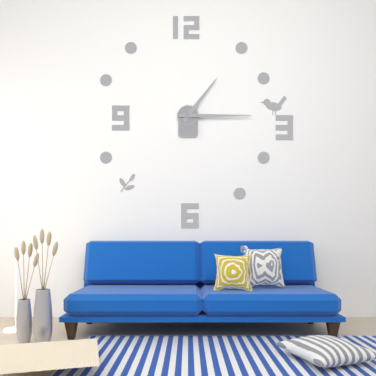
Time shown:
1,15
